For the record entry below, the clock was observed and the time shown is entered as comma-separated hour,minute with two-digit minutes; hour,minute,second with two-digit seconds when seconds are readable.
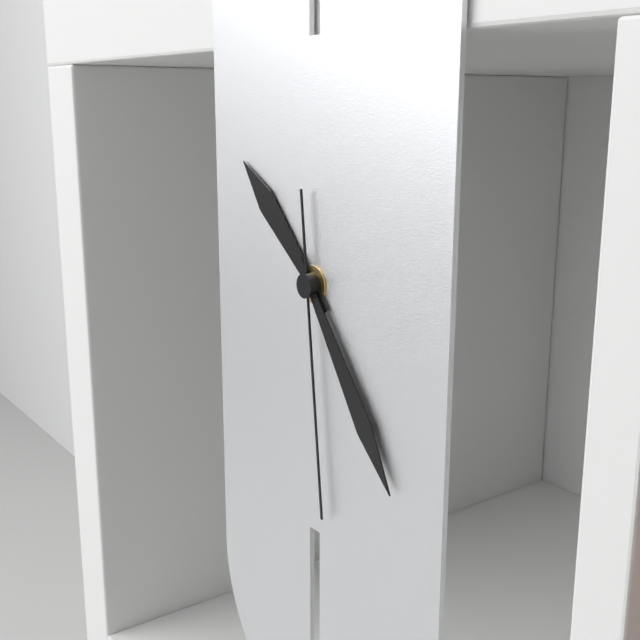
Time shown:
10,24,29
